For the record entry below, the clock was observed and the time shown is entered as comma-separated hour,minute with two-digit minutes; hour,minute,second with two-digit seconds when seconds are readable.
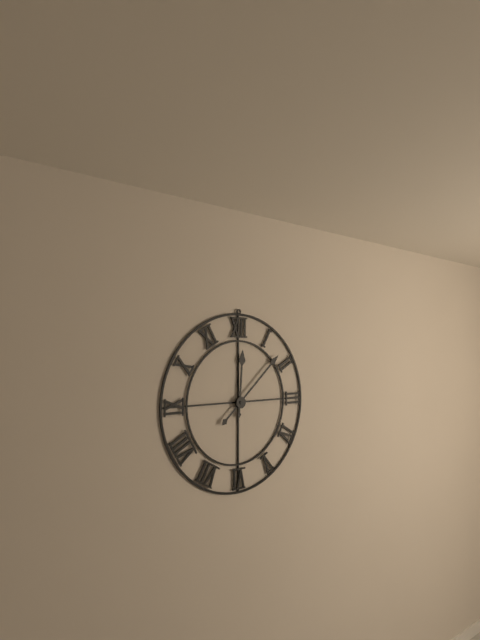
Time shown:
12,08
